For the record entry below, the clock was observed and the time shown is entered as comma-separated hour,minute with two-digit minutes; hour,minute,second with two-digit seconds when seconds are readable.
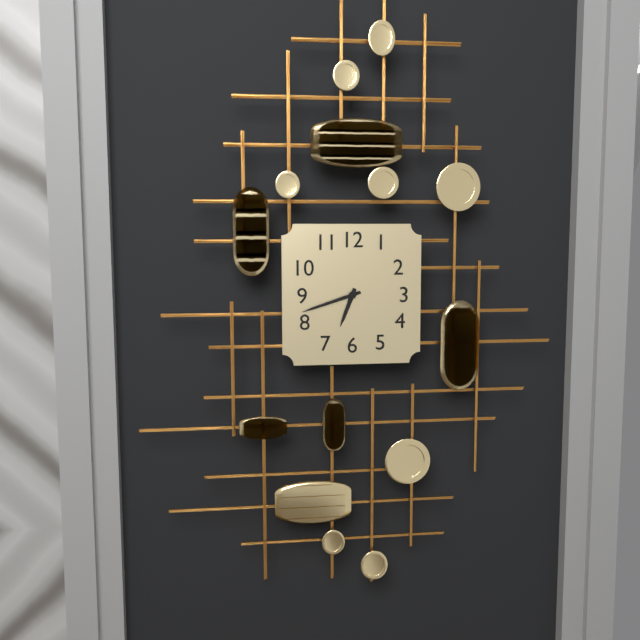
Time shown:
6,42
